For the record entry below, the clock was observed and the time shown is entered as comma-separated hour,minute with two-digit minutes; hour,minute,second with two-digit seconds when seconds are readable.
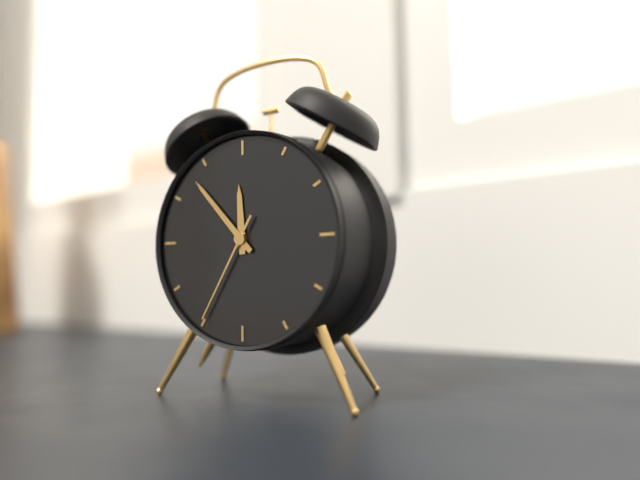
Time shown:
11,53,35
